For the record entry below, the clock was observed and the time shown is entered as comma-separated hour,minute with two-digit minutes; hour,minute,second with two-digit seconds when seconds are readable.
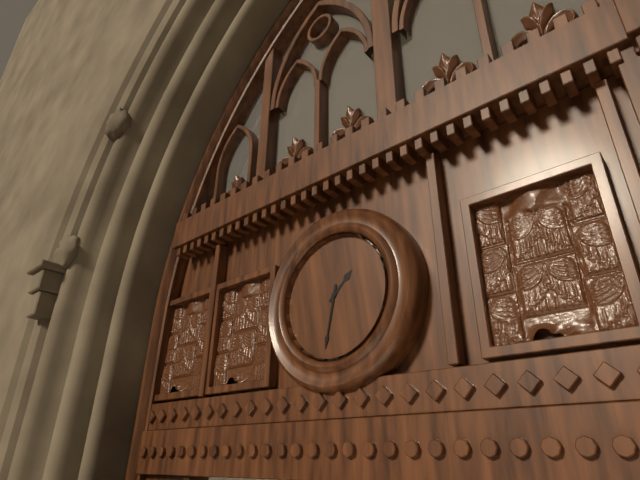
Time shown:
1,32
